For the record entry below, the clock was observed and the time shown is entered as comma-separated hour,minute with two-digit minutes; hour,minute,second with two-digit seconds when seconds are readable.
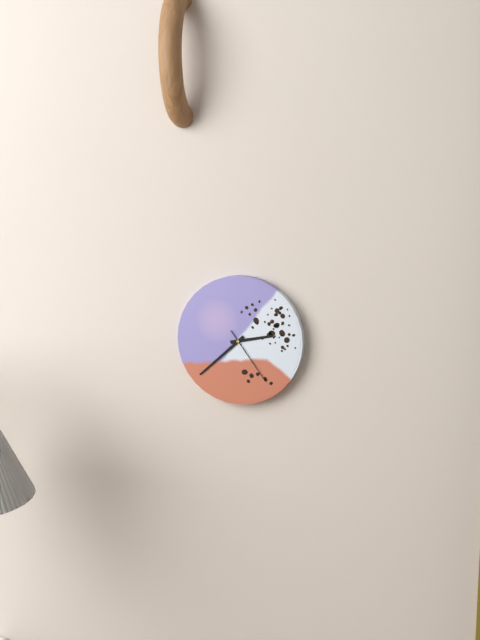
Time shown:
2,38,24
